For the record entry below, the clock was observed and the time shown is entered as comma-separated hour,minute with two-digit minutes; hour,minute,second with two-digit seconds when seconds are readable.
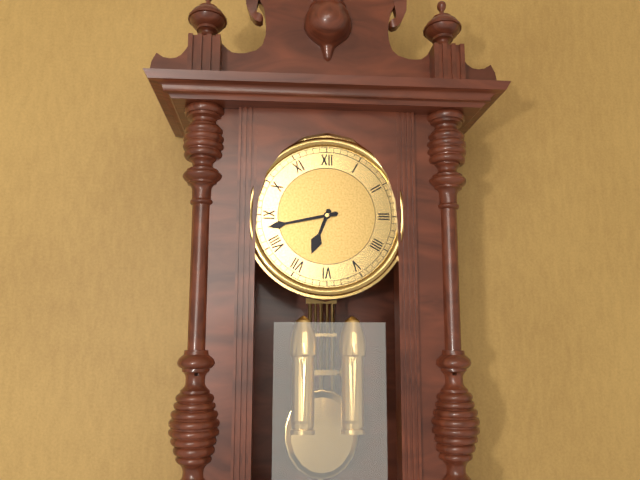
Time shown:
6,43
